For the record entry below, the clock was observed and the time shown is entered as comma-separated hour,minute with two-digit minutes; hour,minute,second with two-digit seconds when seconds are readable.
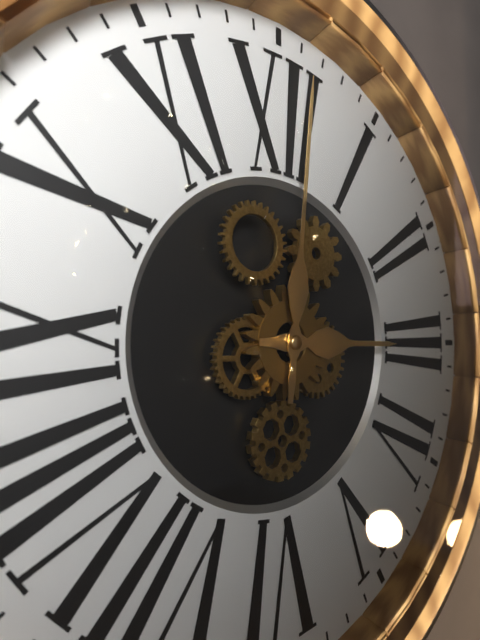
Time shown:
3,01
